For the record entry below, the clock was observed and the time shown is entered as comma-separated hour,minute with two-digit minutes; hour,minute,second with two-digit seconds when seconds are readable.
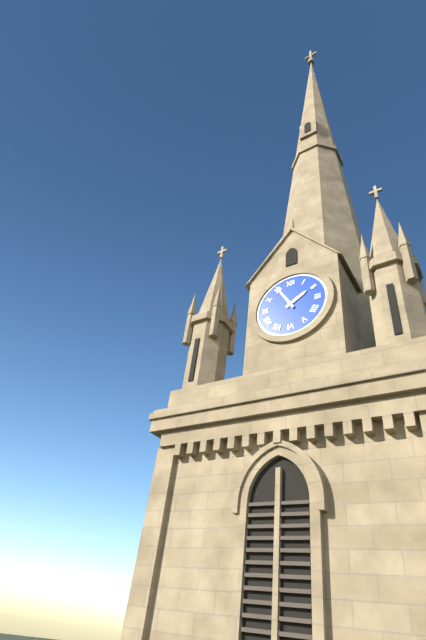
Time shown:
1,55
